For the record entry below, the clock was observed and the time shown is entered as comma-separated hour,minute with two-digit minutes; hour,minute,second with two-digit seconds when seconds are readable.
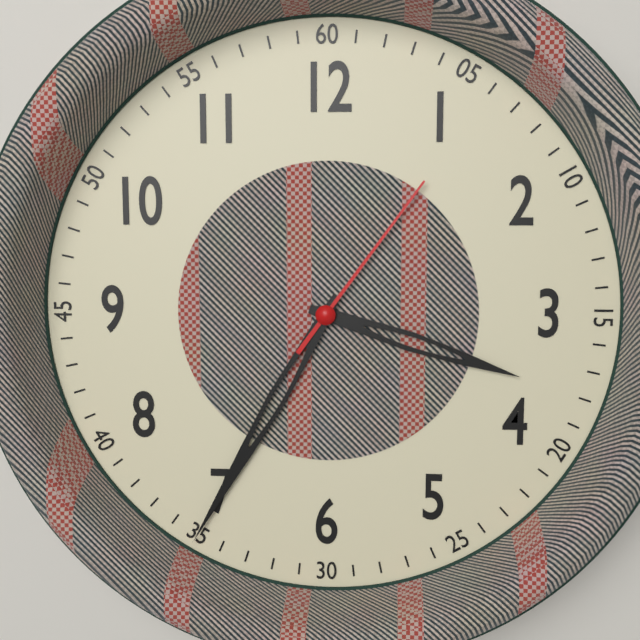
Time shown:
3,35,06
